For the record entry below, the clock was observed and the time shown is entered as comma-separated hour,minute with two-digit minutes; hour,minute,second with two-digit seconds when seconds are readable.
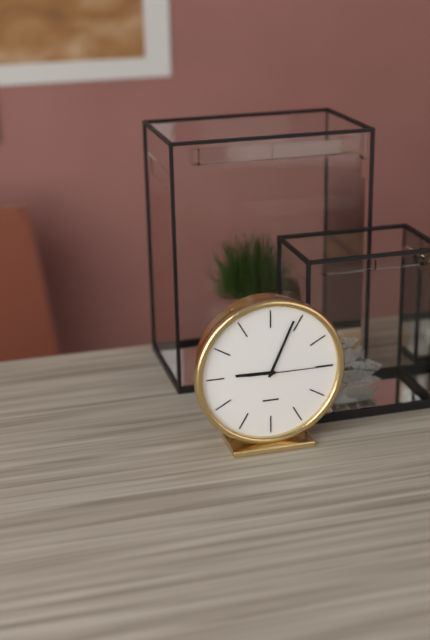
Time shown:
9,04,15
